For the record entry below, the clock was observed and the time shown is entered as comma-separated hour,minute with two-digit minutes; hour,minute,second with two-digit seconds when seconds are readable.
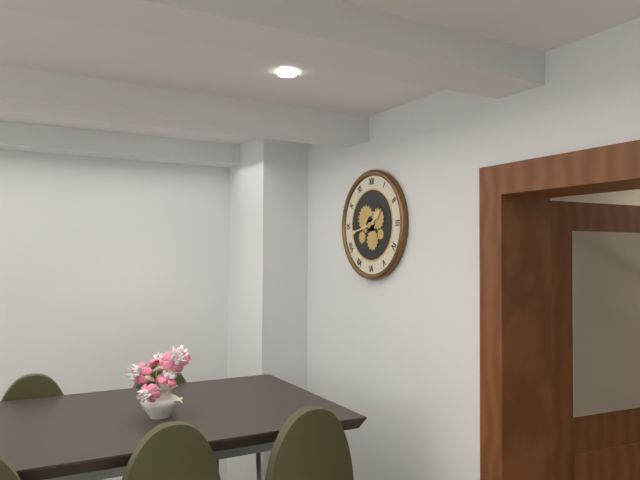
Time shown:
1,43
